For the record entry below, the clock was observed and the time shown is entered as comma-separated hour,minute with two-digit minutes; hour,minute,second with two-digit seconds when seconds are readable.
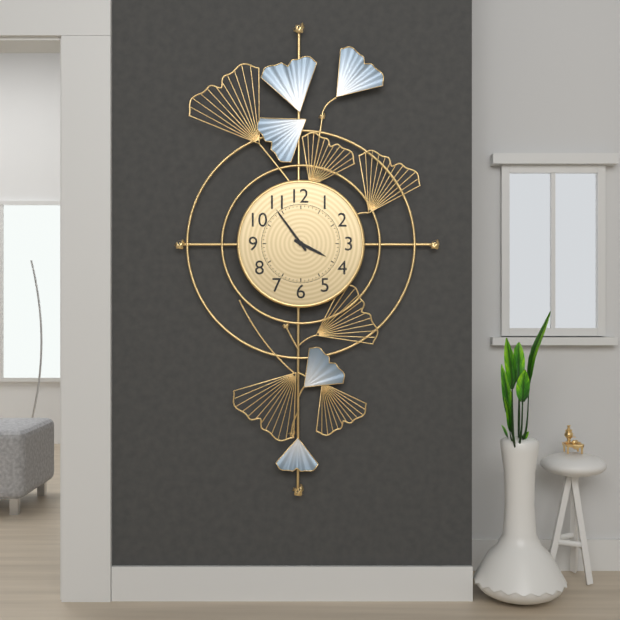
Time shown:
3,54
